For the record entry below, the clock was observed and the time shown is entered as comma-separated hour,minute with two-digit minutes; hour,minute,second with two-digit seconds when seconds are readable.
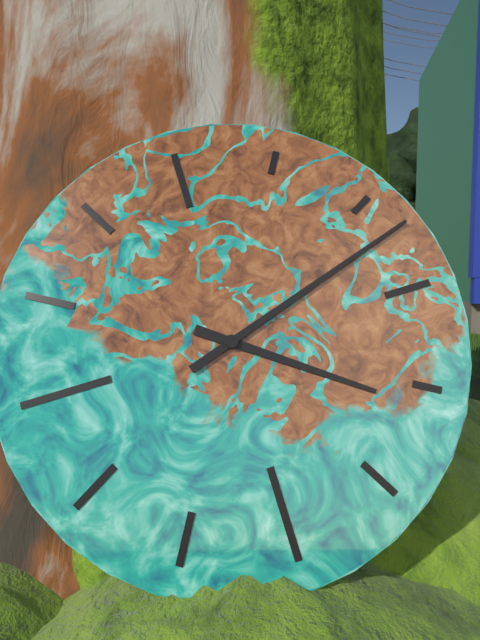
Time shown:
4,12
